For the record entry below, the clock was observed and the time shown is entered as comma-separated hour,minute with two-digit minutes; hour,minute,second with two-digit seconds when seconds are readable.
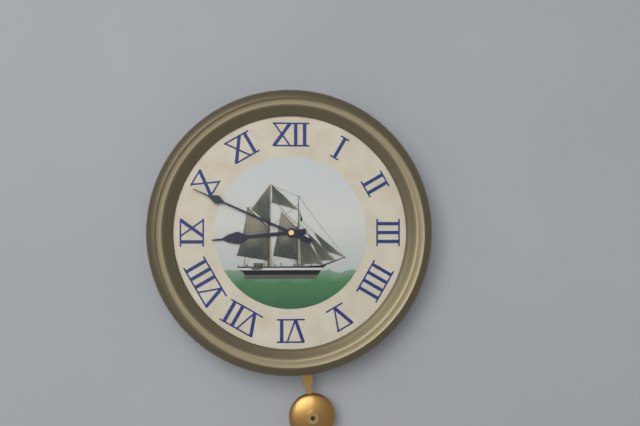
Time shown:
8,49
